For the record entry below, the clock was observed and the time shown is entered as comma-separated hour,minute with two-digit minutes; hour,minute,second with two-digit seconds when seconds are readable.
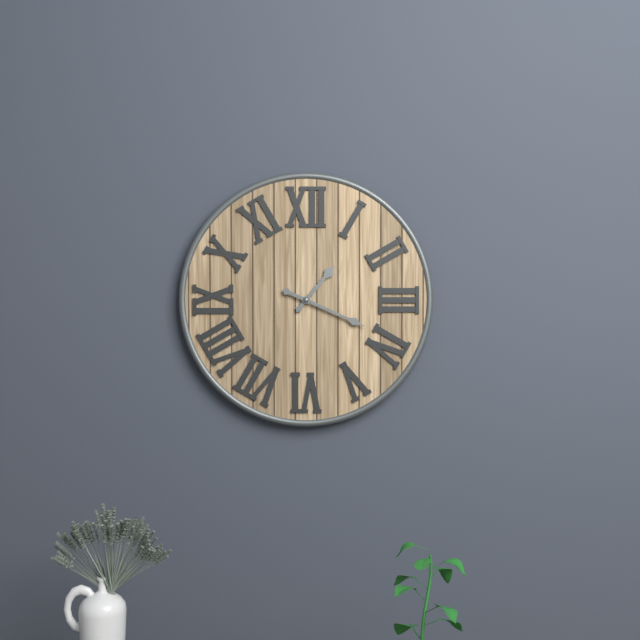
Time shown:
1,19
